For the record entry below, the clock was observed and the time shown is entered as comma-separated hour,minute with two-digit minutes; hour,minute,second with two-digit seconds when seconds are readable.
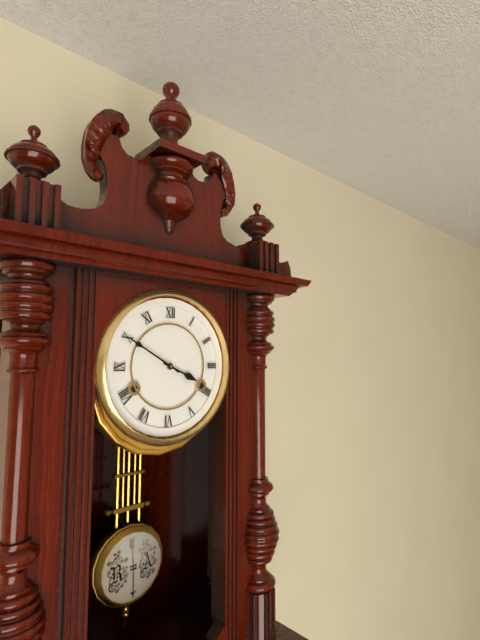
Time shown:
3,50
